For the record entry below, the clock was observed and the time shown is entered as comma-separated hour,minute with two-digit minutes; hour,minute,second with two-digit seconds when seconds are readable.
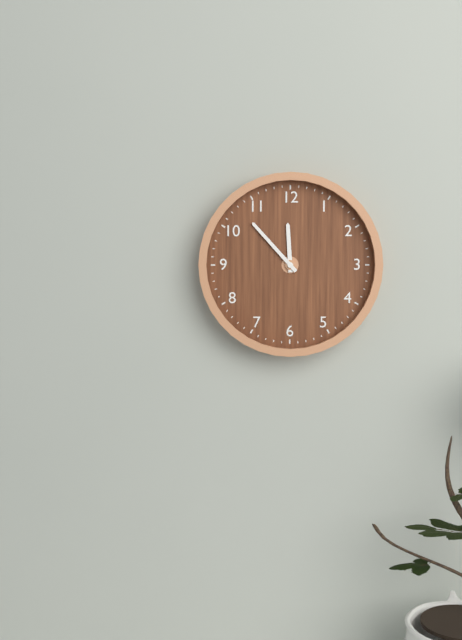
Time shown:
11,53
